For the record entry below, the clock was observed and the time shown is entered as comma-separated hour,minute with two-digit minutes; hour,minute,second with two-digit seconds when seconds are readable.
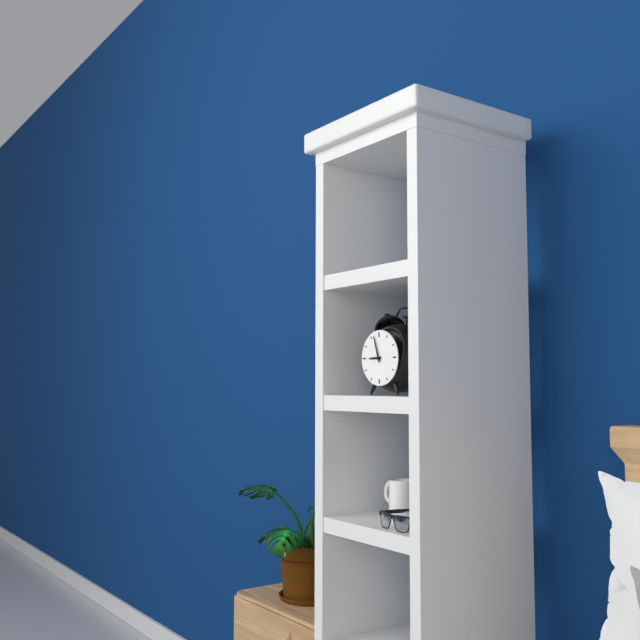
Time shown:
8,57
